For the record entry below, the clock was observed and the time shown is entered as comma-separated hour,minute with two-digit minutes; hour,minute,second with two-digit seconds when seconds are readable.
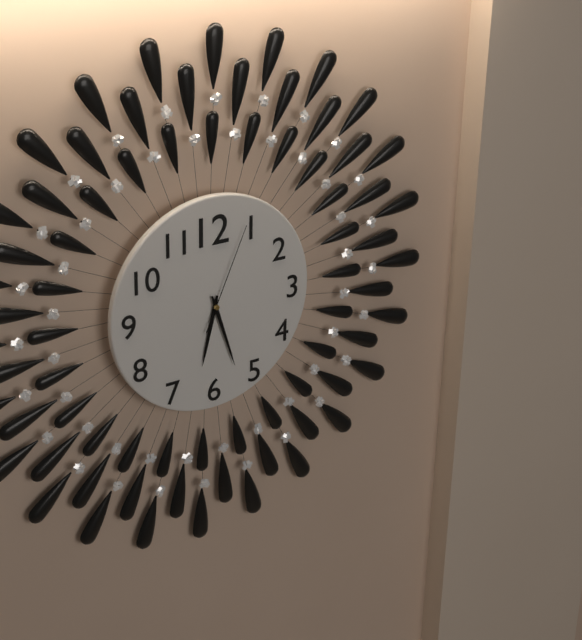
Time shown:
6,27,04
